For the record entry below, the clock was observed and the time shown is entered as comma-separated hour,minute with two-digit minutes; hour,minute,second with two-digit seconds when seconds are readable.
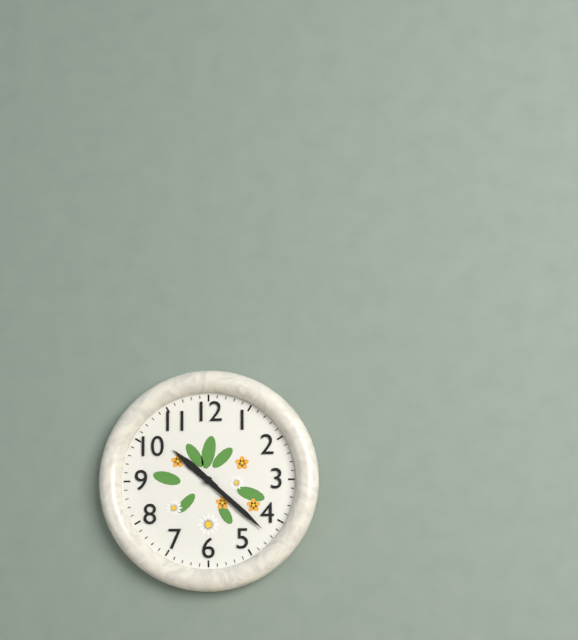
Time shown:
10,22
